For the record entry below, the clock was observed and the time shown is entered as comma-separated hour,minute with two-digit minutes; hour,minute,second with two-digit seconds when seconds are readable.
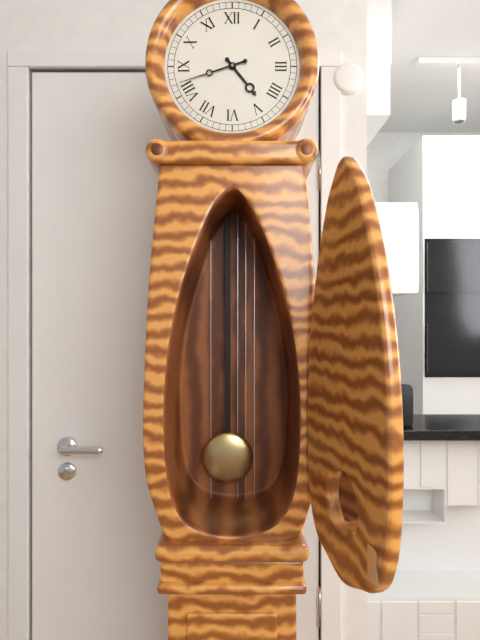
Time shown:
4,42
